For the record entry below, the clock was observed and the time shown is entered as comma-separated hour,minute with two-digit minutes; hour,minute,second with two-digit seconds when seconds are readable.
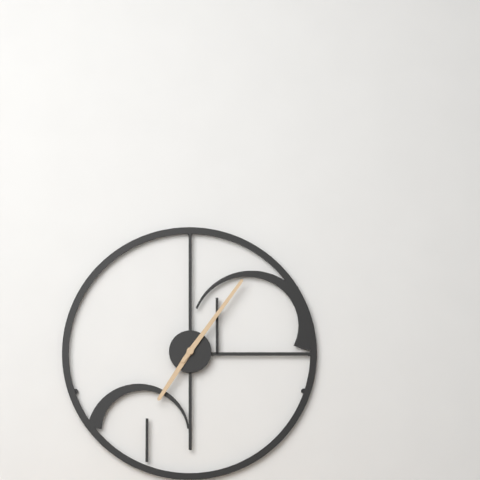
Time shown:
7,06
